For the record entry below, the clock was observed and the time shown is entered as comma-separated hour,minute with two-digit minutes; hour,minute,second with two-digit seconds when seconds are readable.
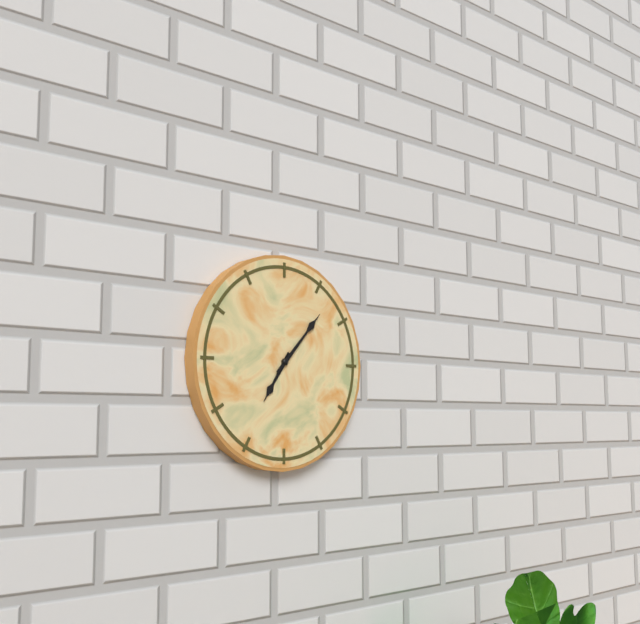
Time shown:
7,07
